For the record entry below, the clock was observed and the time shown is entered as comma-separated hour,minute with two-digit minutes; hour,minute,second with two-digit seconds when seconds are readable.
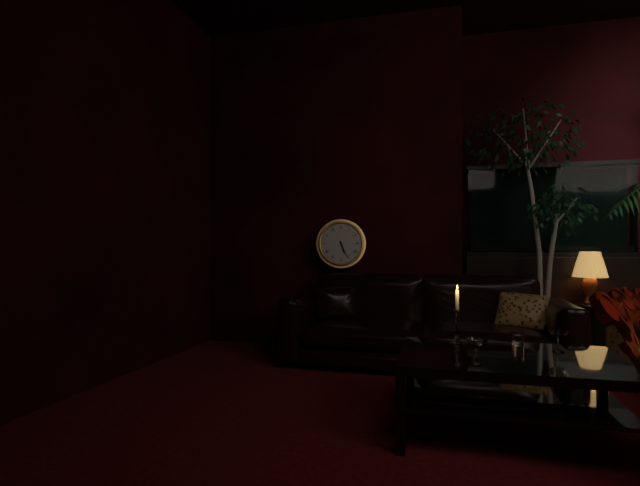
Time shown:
5,26
